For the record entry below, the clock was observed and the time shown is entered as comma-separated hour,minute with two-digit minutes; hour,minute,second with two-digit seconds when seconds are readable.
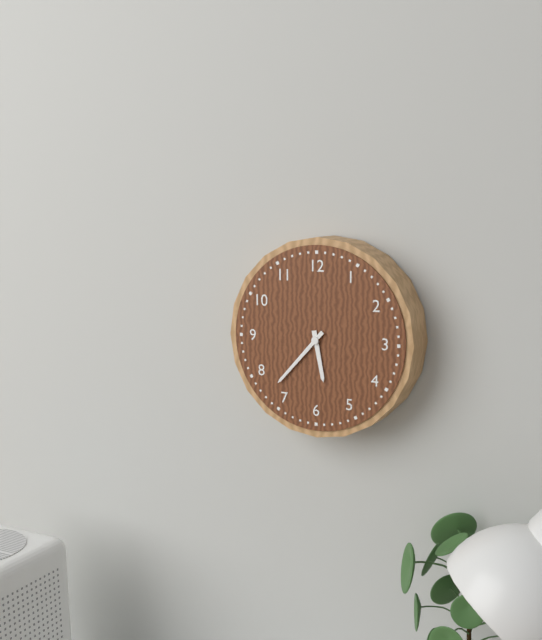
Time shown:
5,37
